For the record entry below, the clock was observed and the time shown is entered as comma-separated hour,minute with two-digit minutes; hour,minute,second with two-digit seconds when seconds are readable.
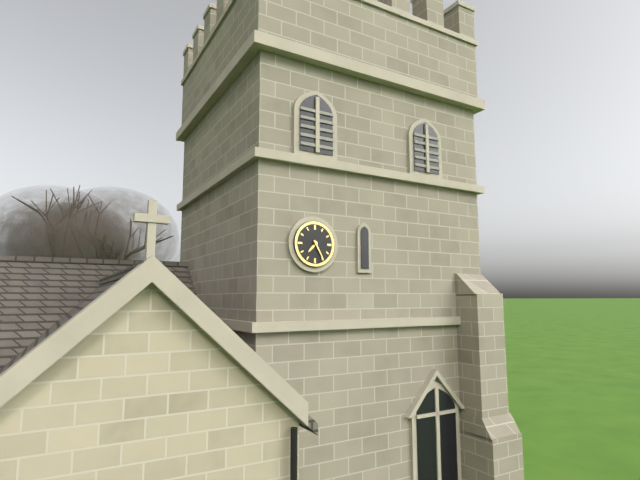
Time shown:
7,25
